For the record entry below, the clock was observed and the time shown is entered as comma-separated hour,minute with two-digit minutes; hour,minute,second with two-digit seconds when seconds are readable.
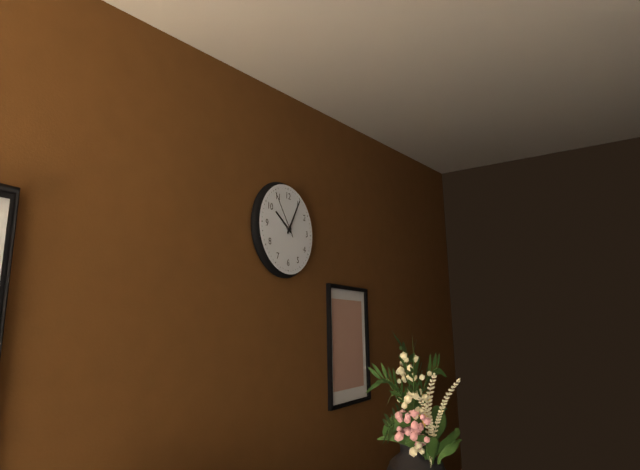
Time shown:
10,05
